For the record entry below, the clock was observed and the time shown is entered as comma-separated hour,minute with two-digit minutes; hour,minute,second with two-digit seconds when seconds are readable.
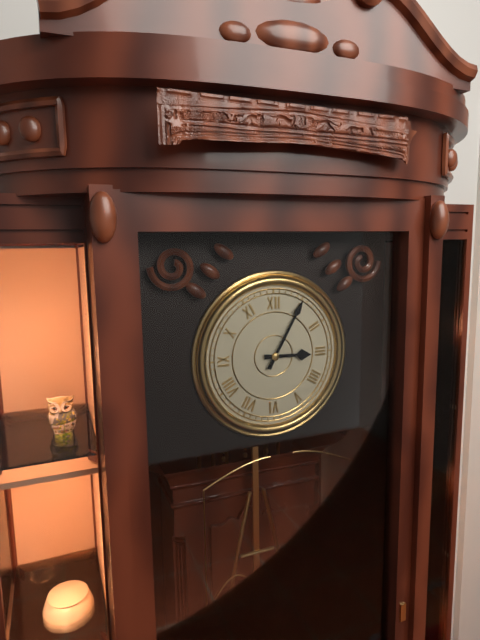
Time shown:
3,05
